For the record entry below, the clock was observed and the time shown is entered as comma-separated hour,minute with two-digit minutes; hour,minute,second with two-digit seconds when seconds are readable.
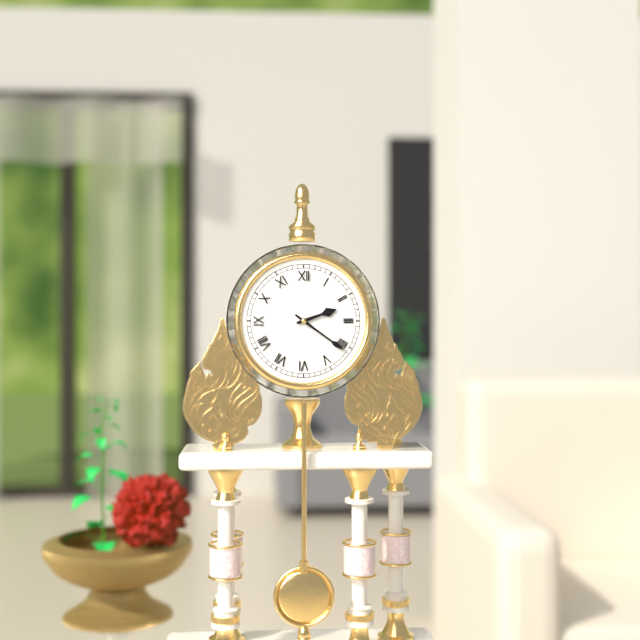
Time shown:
2,21
